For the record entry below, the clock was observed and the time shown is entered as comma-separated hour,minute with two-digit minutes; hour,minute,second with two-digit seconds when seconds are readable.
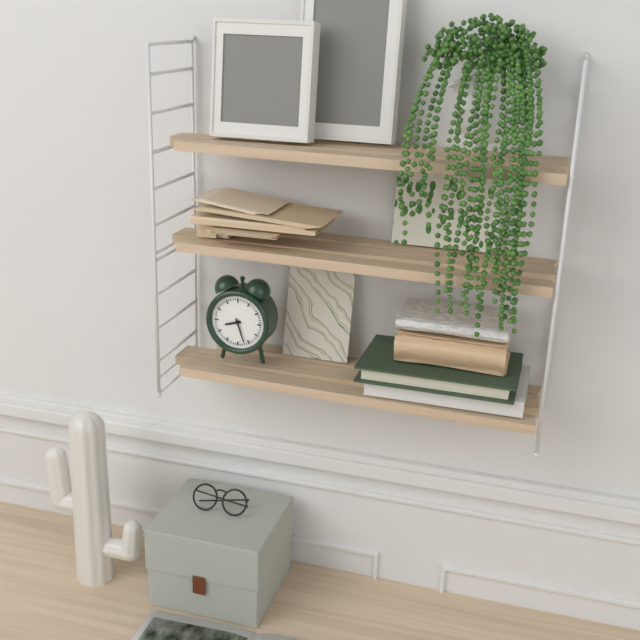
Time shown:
8,27
